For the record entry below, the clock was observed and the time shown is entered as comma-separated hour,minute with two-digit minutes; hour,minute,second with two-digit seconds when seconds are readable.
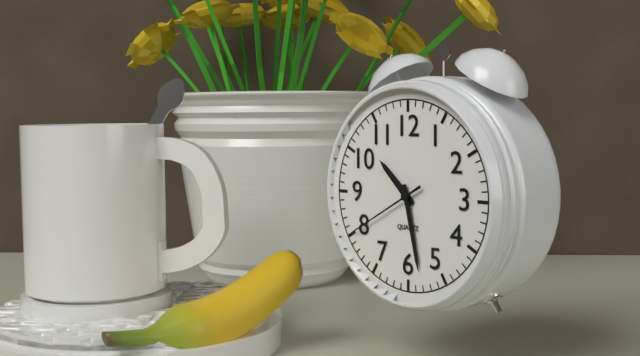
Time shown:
10,28,40
